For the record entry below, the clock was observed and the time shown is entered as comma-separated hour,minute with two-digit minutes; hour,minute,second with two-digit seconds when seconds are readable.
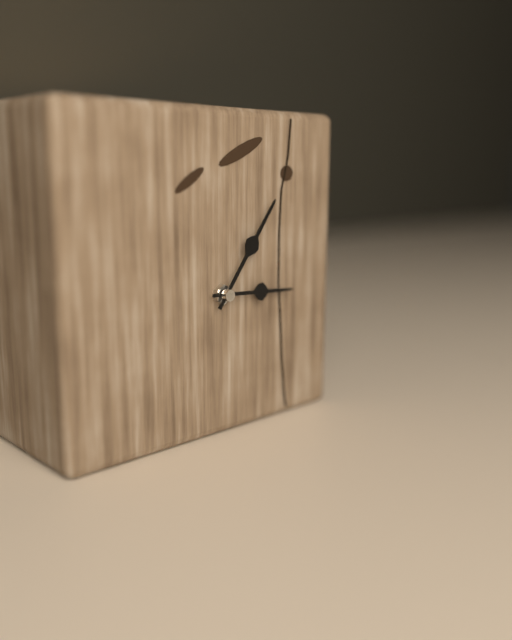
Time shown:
3,06
